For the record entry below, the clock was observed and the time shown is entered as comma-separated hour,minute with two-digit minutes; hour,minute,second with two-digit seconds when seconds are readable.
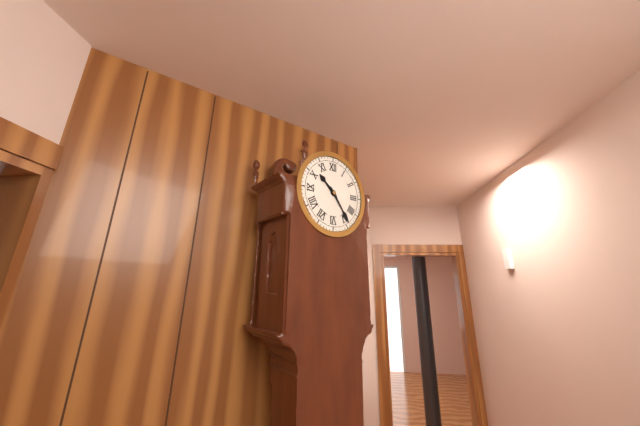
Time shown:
10,24
